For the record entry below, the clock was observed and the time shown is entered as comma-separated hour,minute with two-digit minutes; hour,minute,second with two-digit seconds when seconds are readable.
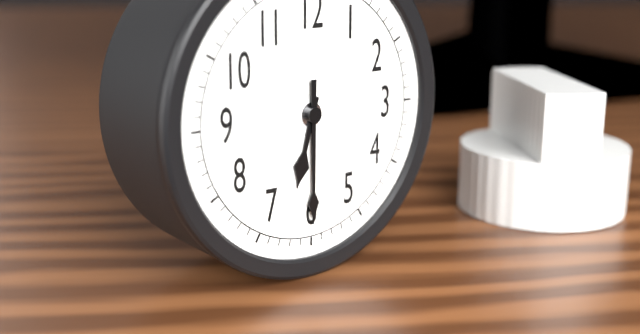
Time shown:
6,30
